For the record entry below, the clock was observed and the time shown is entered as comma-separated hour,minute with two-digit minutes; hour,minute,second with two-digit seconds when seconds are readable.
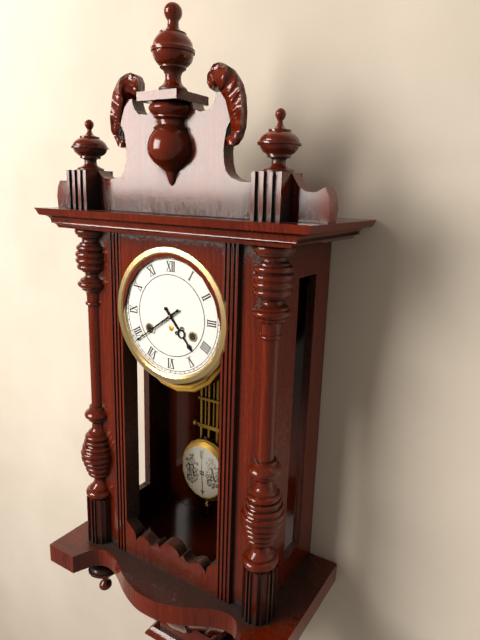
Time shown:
4,39
